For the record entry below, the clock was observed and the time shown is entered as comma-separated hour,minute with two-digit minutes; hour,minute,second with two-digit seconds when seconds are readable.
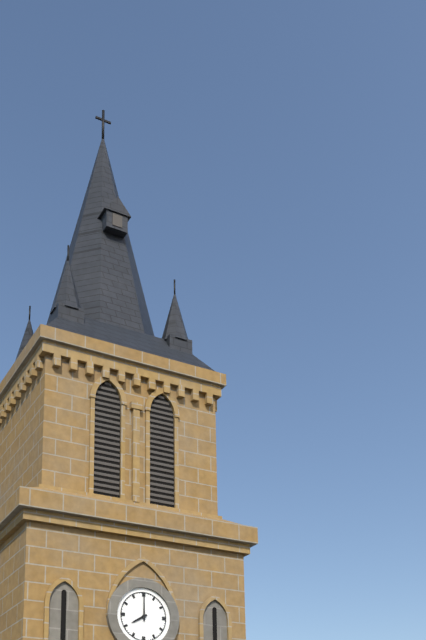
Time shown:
8,00
